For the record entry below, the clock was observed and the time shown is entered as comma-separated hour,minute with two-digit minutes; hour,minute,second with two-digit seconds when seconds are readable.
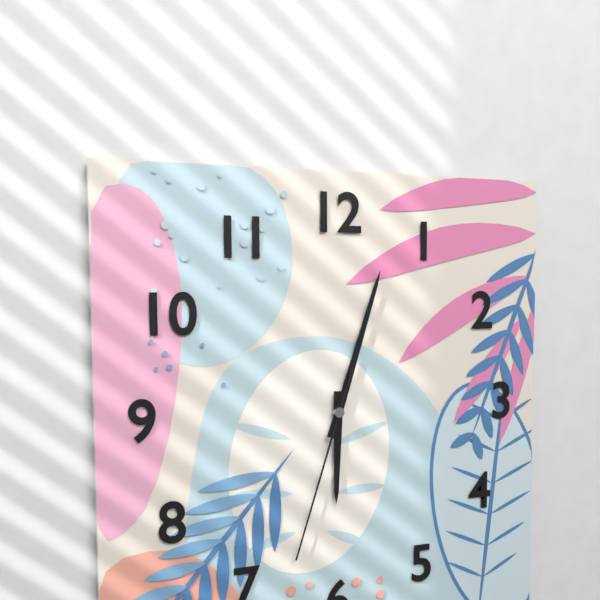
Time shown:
6,03,33
